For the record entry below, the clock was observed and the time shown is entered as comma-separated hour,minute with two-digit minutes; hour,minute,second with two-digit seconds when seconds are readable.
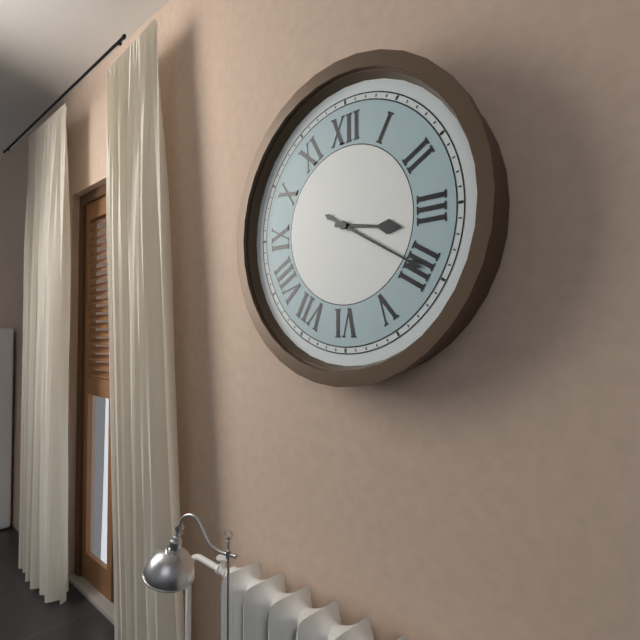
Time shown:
3,20
